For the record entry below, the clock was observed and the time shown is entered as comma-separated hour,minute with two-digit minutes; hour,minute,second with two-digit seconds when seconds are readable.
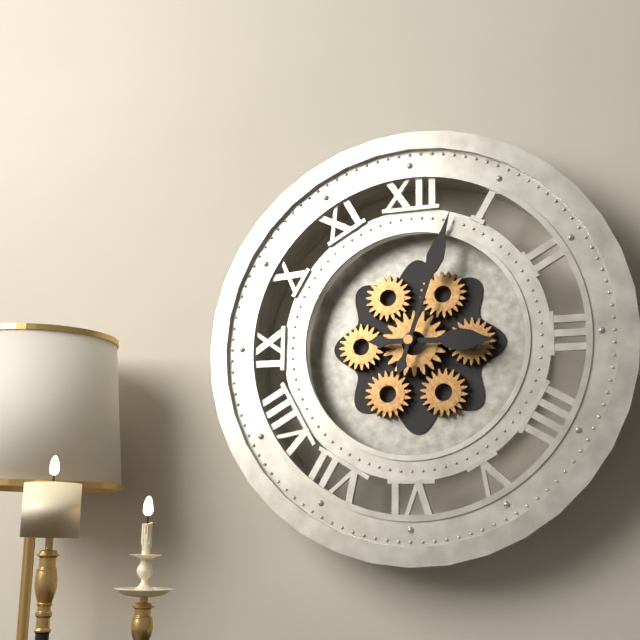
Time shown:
3,03
